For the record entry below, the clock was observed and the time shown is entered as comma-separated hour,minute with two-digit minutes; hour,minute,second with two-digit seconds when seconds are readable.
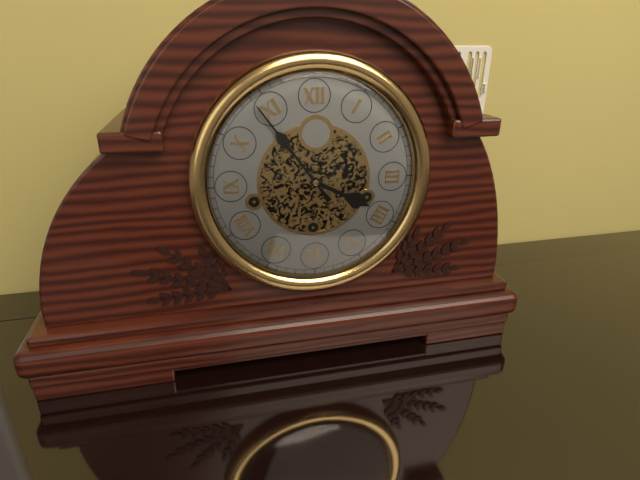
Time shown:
3,54
